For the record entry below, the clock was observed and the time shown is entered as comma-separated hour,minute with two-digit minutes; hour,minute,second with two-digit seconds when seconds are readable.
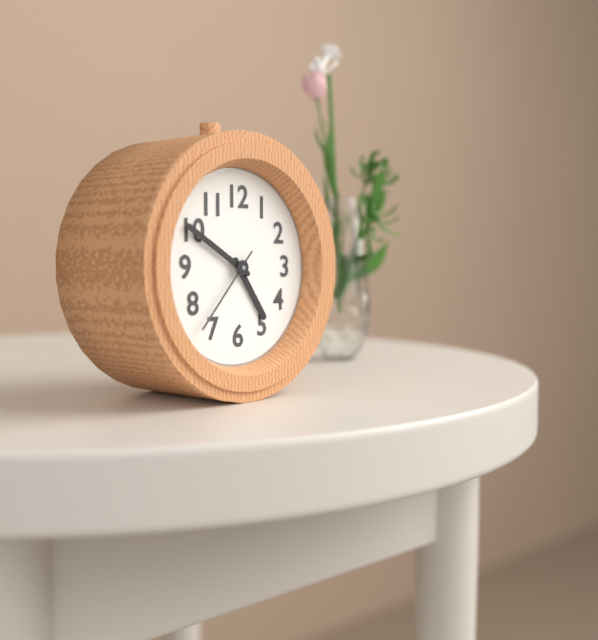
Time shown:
4,50,37
